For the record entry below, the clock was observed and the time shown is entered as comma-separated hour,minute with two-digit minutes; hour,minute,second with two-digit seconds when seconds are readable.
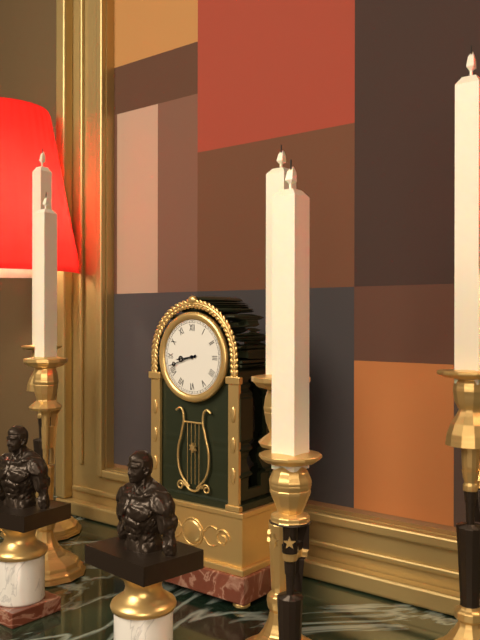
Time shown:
8,42
